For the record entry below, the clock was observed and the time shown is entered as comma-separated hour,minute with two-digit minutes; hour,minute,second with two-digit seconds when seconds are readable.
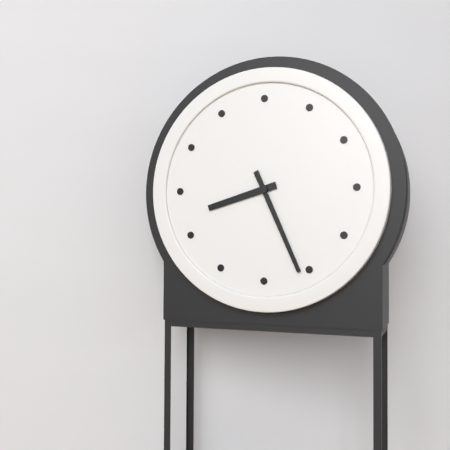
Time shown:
8,26
